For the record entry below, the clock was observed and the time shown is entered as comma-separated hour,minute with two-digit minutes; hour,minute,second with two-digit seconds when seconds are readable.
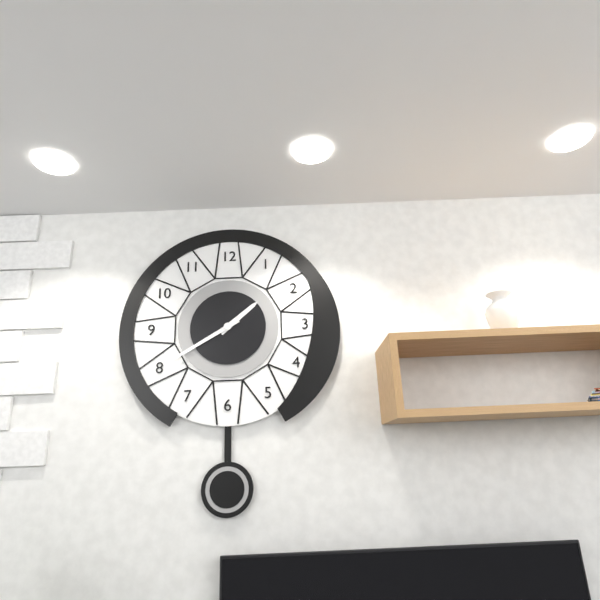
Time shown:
1,40
